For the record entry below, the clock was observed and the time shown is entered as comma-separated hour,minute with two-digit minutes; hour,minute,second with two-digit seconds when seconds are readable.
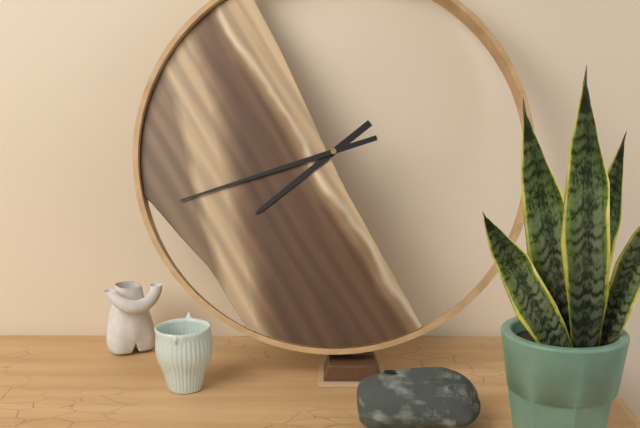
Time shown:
7,42
